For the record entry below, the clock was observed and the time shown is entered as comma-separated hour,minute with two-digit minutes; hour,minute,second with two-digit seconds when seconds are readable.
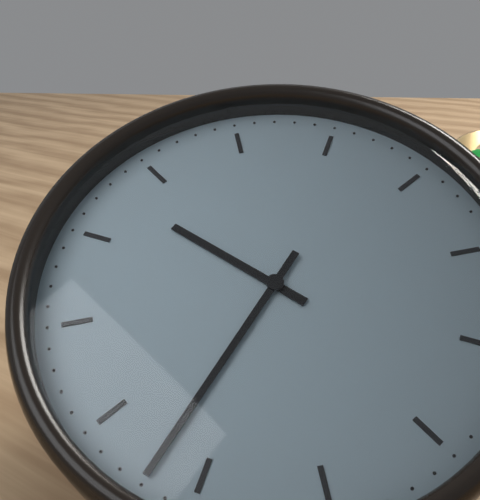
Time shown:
9,32
